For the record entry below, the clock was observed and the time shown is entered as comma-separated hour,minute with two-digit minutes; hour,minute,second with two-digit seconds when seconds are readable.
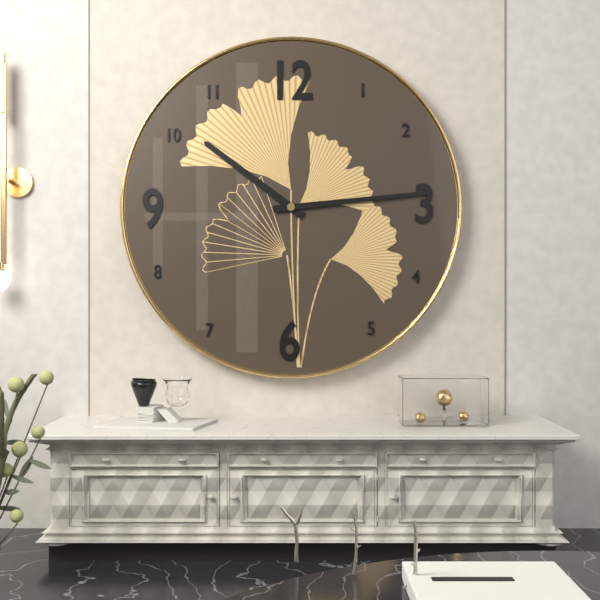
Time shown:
10,14
